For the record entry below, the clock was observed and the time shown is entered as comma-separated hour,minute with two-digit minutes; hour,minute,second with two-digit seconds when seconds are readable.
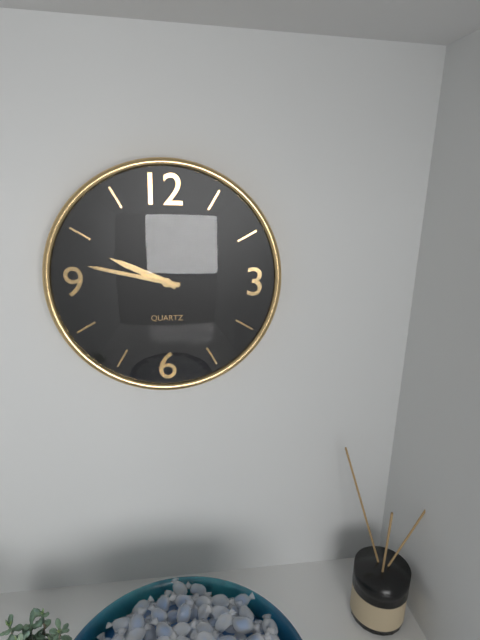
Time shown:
9,47
